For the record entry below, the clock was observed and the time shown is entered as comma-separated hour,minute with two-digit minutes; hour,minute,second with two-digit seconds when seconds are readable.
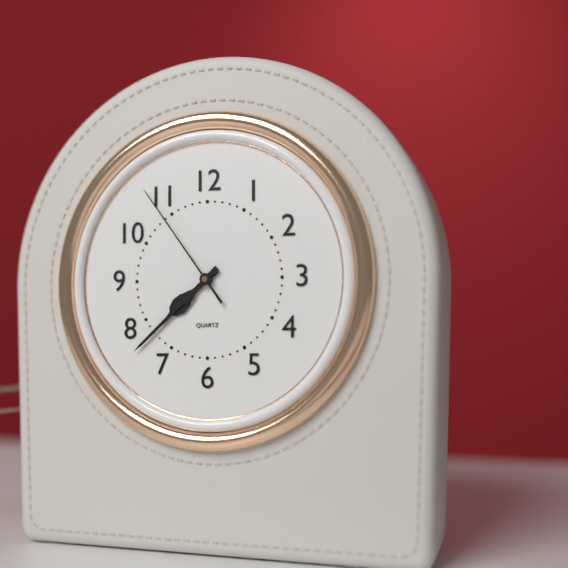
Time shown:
7,38,54
